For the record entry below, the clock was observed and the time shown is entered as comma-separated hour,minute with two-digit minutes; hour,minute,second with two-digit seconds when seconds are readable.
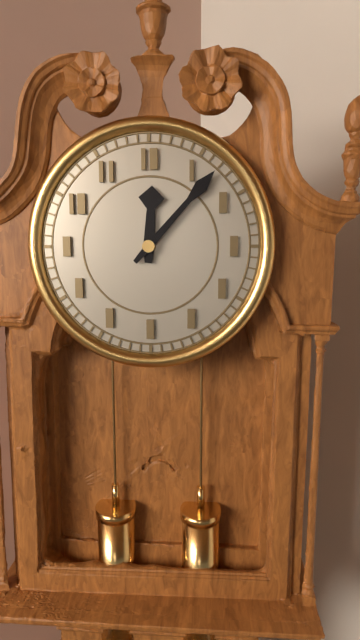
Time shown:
12,07
